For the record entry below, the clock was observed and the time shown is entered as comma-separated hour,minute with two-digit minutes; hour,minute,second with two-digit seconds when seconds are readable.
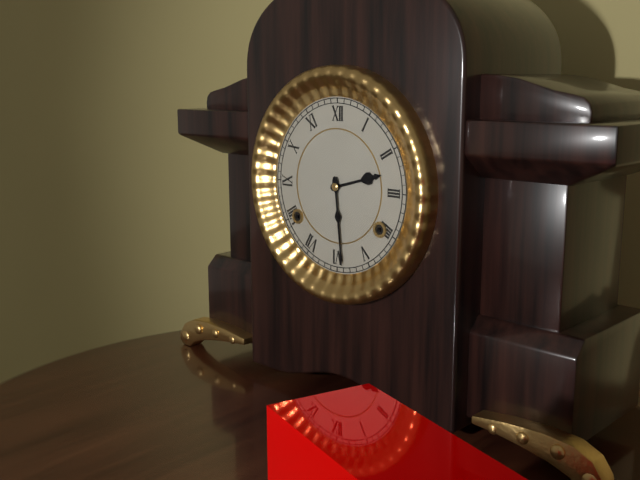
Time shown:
2,29
